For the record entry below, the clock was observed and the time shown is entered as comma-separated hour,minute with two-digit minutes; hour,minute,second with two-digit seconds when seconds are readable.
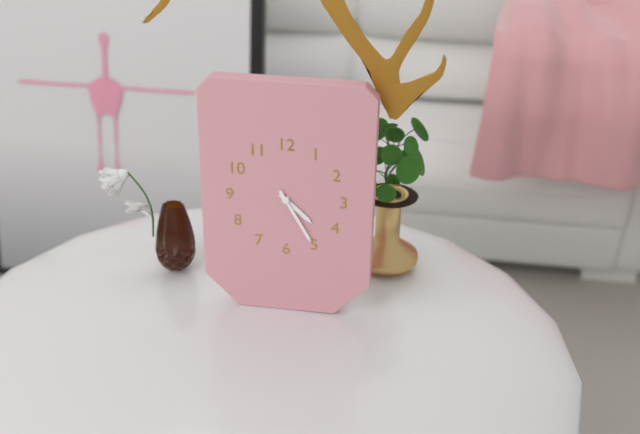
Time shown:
4,25
